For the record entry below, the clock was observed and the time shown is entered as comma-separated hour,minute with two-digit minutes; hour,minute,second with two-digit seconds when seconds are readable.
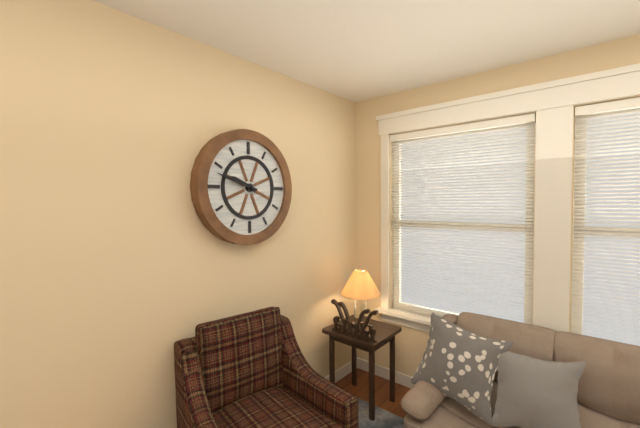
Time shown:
9,48
